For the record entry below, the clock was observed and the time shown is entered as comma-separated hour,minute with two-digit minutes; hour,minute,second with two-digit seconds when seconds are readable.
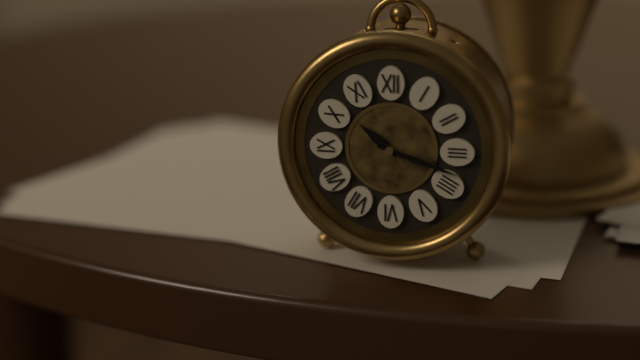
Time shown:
10,18
